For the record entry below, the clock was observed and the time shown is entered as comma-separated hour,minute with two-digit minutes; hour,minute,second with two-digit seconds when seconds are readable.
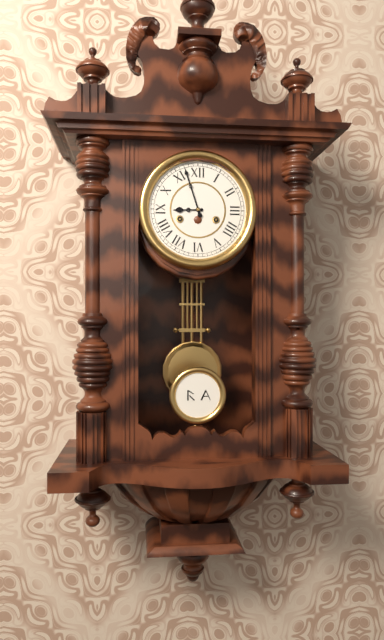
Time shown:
8,57
